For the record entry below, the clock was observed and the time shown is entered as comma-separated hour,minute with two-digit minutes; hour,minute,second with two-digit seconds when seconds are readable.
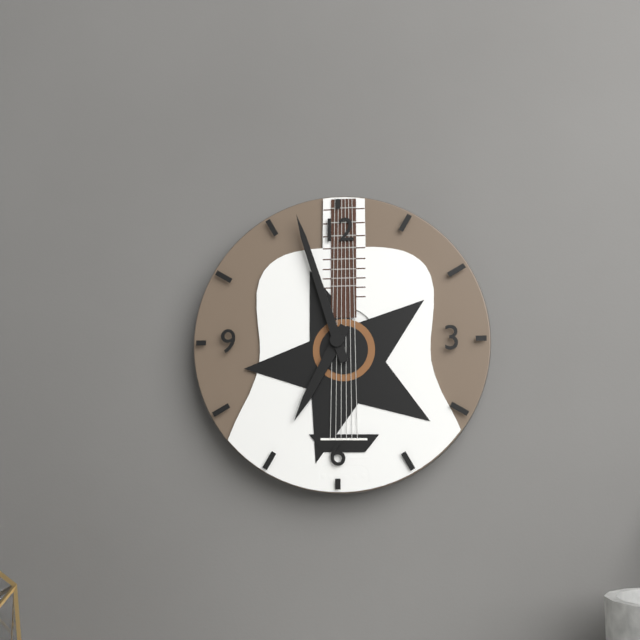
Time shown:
6,57
